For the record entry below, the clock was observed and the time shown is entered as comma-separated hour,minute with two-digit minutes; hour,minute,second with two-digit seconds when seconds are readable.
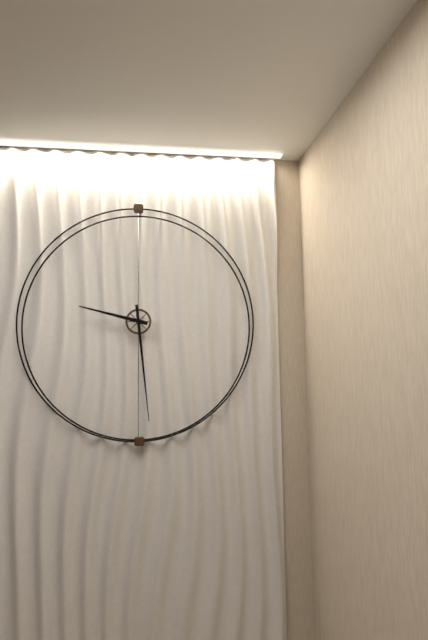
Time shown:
9,29
